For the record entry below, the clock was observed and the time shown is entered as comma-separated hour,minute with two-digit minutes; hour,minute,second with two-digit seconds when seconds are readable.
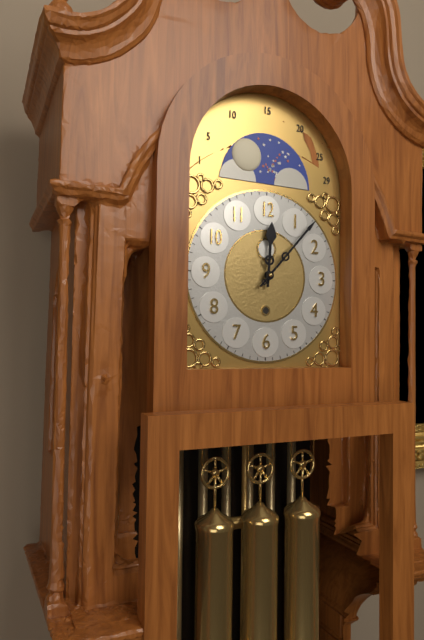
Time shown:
12,07
